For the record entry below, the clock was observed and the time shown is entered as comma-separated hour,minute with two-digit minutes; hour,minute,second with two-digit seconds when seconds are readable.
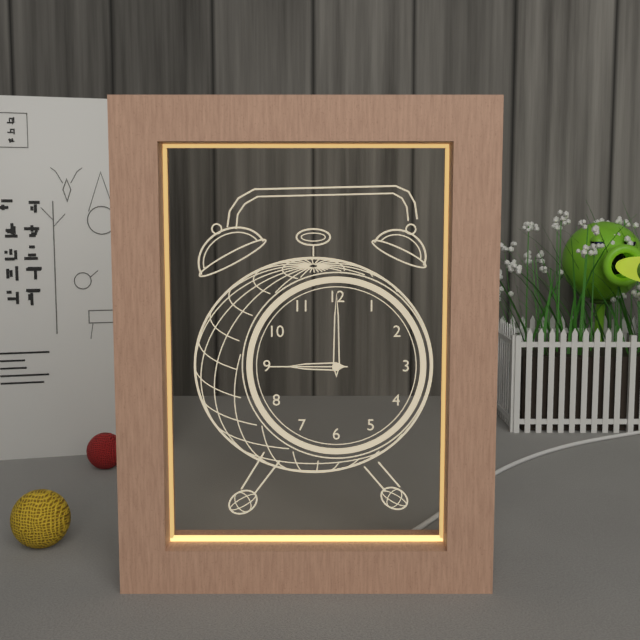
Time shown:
9,00,45
